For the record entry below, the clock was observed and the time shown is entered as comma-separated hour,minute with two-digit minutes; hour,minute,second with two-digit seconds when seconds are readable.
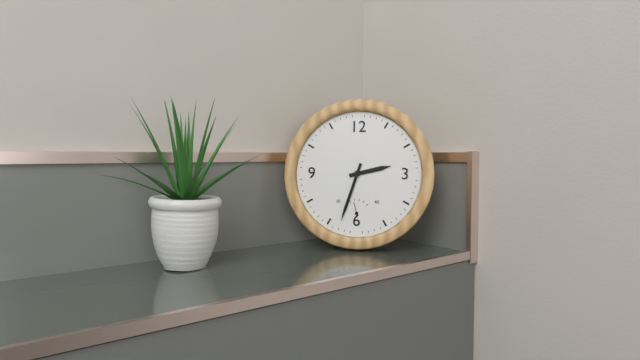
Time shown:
2,33
